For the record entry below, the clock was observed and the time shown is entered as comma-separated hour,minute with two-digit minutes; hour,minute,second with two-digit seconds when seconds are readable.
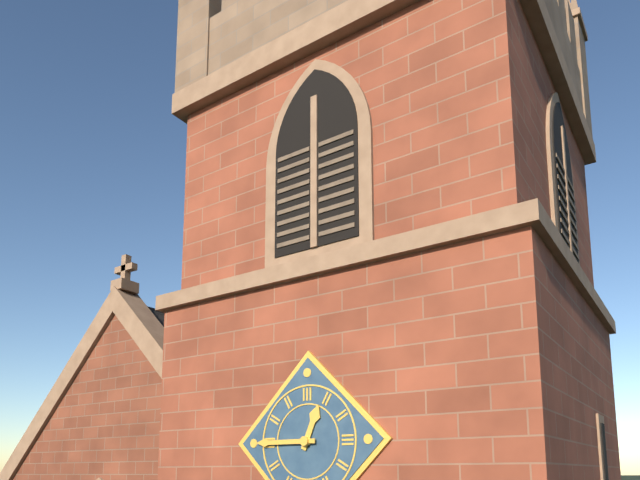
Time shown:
12,45
